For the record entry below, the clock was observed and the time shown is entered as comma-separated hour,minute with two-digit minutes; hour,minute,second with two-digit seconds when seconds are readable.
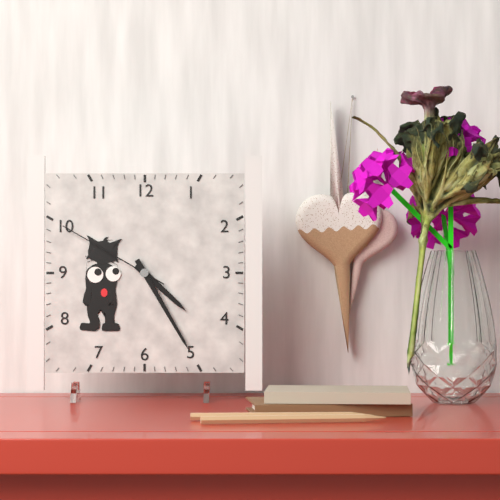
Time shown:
4,25,50
